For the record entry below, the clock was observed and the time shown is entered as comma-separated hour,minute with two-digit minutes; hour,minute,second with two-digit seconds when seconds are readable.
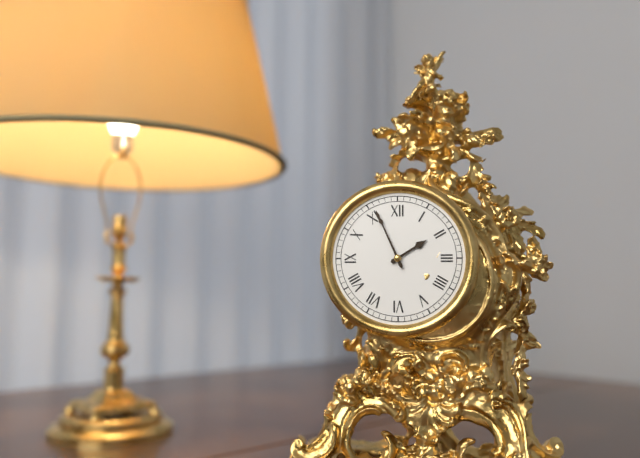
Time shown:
1,56
